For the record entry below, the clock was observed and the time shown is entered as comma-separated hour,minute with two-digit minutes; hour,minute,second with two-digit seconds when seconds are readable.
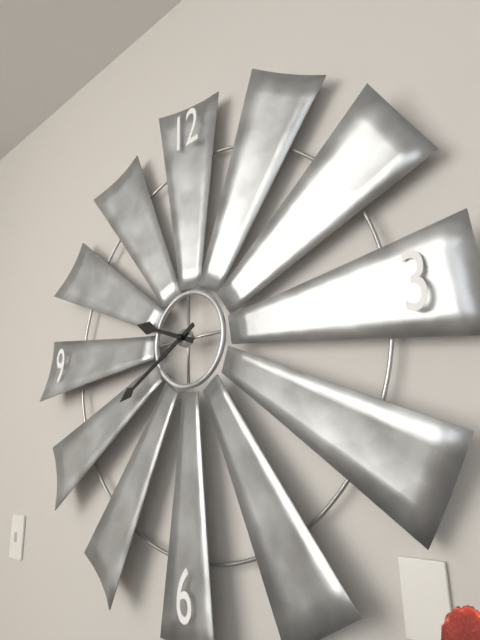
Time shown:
9,40
